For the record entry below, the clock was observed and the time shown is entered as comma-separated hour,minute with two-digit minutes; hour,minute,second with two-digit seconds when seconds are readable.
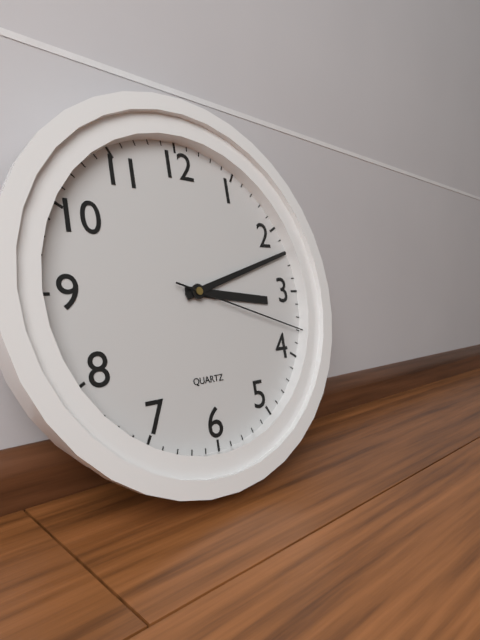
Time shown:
3,12,18
